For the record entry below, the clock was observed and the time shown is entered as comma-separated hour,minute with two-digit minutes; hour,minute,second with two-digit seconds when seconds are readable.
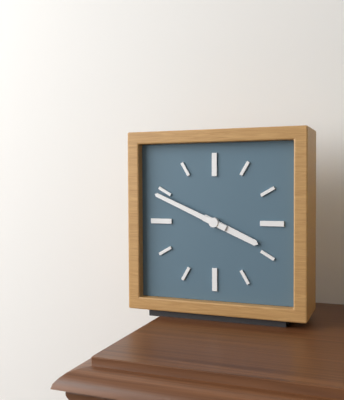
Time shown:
3,49
